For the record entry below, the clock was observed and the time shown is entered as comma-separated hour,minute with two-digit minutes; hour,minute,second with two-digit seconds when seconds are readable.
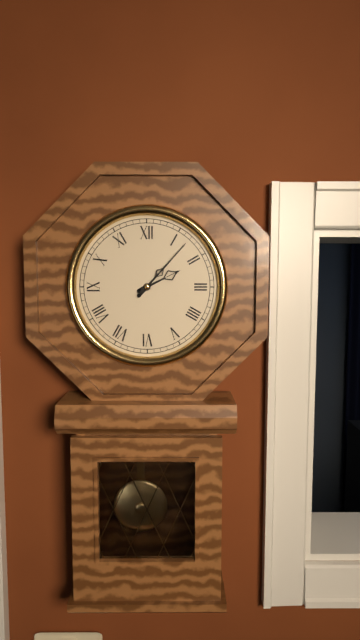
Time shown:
2,07
